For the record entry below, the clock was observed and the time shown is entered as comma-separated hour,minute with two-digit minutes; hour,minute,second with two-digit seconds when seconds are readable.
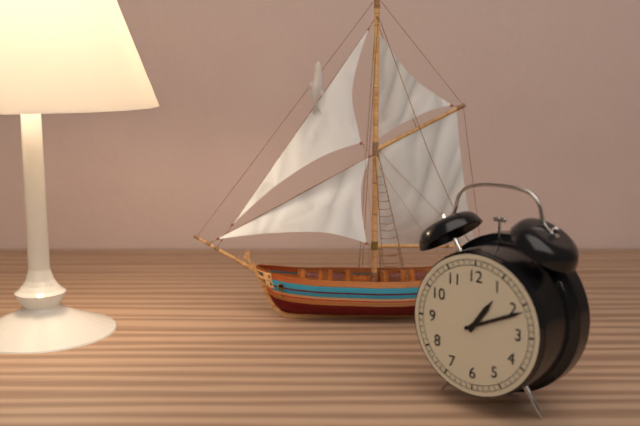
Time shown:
1,11
